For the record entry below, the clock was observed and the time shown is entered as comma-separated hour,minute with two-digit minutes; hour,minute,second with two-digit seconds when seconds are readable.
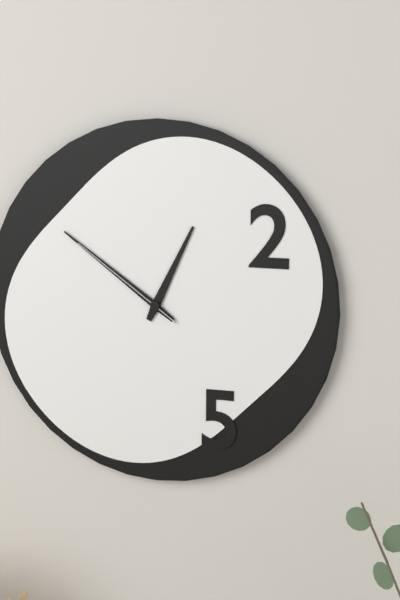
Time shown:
12,51,51
